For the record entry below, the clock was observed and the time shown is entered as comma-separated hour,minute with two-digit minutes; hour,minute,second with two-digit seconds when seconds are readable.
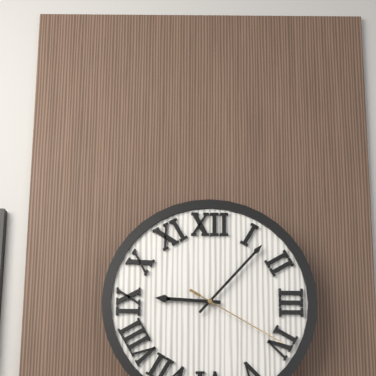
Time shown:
9,07,20
